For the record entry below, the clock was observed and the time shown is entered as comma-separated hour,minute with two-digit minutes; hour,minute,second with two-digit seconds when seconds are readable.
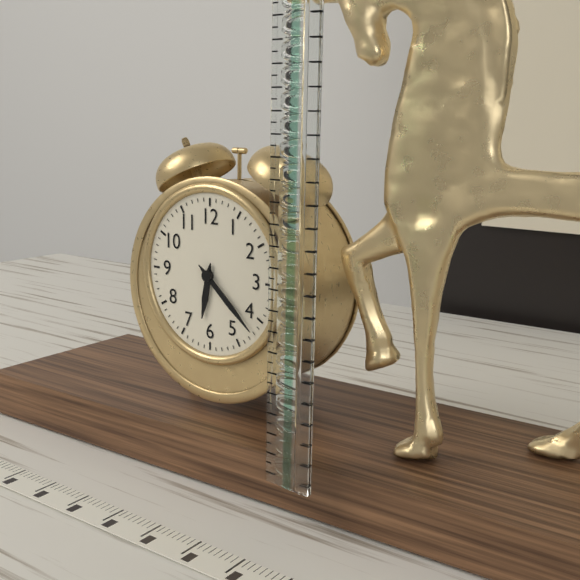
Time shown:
6,22
